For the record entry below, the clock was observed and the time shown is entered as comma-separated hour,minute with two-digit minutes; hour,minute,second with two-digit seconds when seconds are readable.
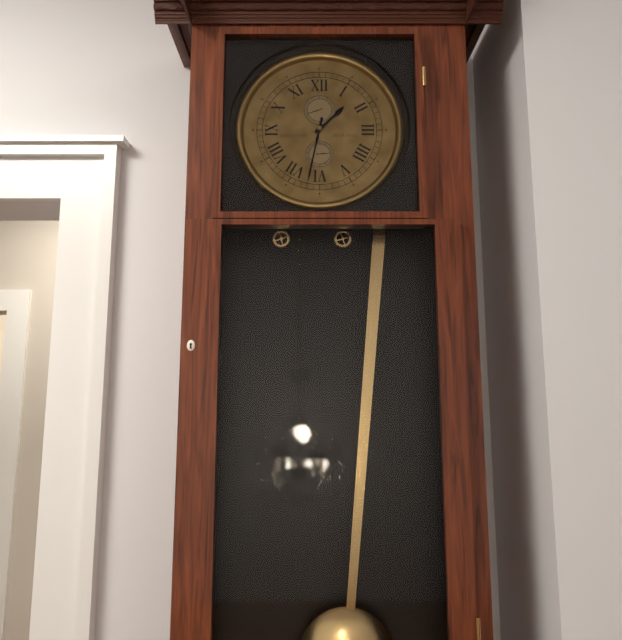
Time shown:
1,32
